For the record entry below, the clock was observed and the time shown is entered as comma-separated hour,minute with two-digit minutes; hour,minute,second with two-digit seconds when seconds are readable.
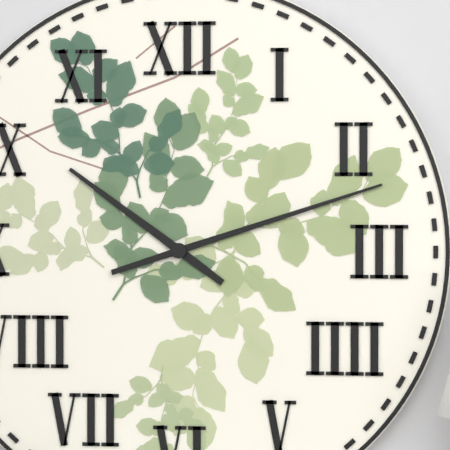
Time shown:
10,12
